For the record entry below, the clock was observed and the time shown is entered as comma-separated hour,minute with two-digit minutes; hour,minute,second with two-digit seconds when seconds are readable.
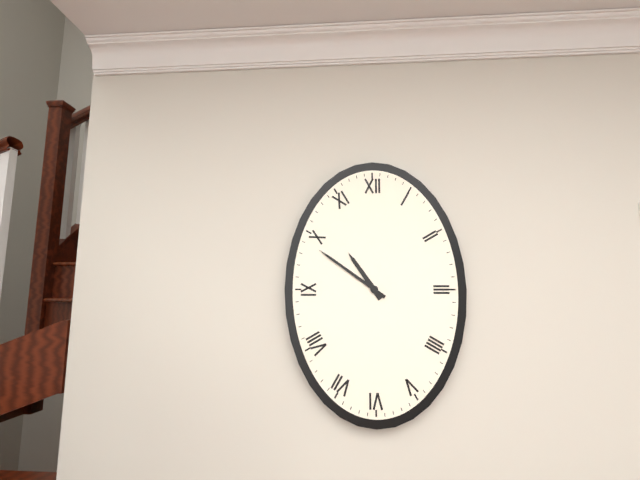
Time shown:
10,51
